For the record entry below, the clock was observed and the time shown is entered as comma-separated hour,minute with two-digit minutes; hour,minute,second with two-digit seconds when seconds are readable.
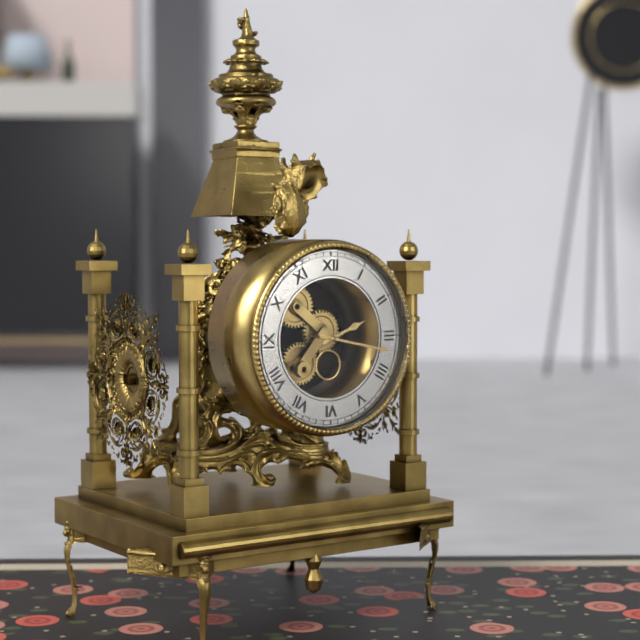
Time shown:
2,17
